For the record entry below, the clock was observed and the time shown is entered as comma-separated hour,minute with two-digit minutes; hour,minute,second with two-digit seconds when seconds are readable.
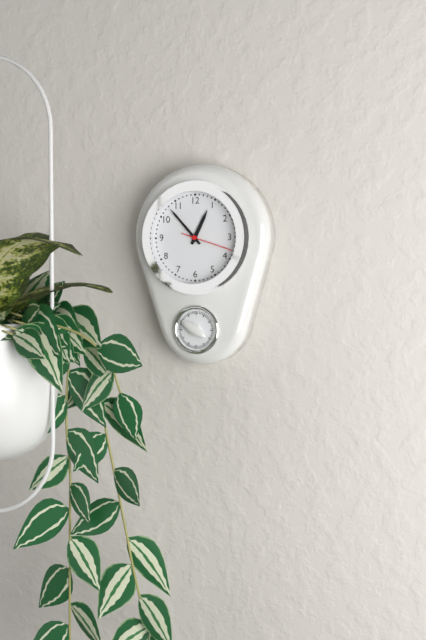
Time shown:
12,53,18
